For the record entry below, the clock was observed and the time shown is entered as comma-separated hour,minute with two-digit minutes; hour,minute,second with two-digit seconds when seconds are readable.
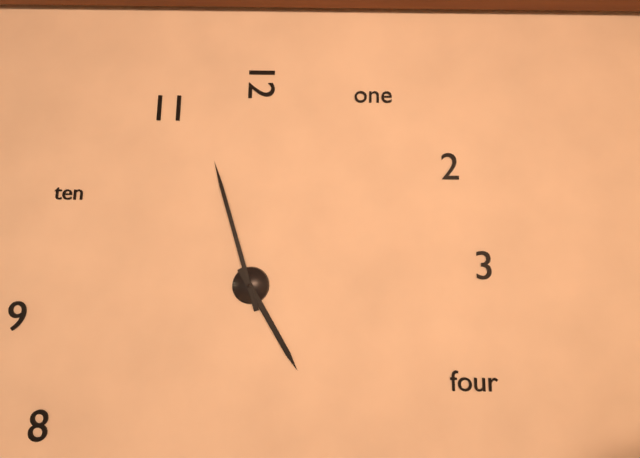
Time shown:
4,57
